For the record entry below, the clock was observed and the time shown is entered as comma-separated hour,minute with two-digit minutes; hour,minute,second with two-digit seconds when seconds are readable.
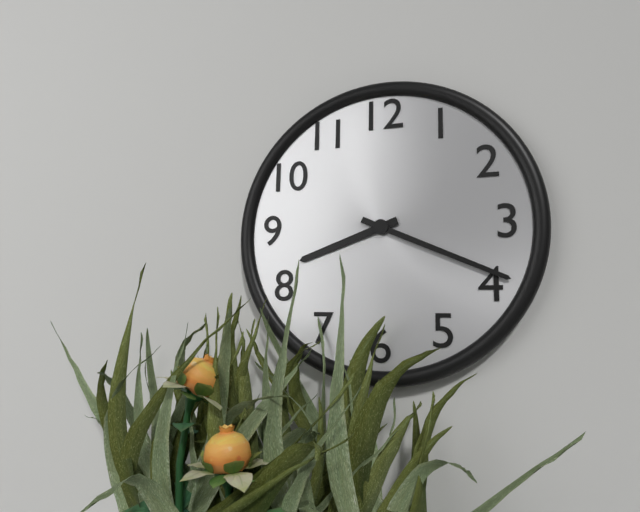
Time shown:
8,19
